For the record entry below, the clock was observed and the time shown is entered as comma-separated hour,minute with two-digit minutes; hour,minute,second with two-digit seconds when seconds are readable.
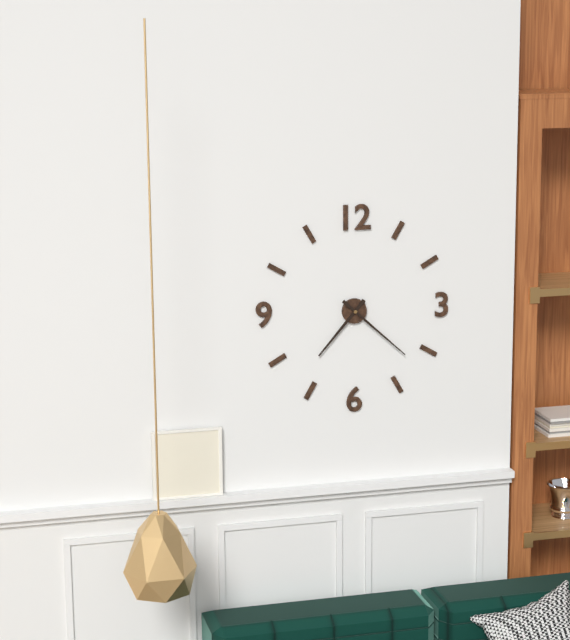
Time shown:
7,22
